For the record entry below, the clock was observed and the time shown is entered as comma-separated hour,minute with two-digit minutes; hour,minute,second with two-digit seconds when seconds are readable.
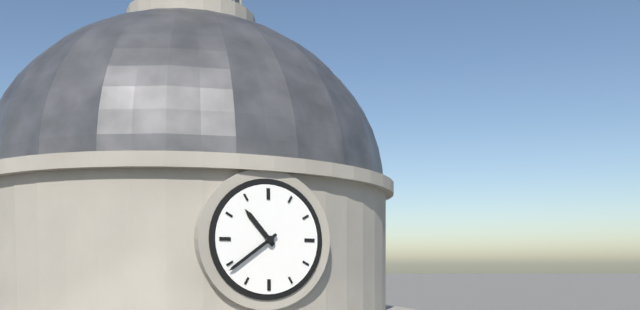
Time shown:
10,39
